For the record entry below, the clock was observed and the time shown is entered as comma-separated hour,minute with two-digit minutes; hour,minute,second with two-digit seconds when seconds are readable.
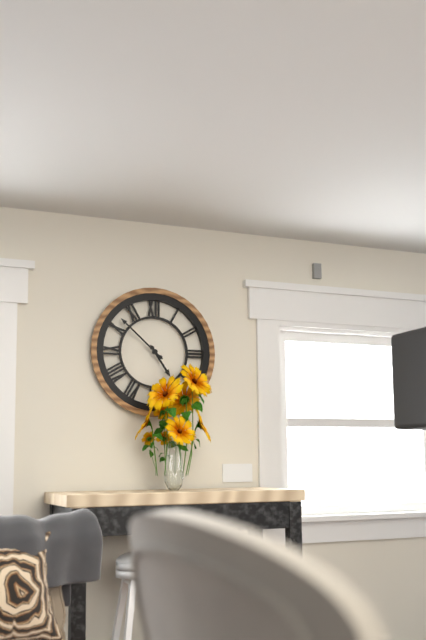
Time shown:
4,52
